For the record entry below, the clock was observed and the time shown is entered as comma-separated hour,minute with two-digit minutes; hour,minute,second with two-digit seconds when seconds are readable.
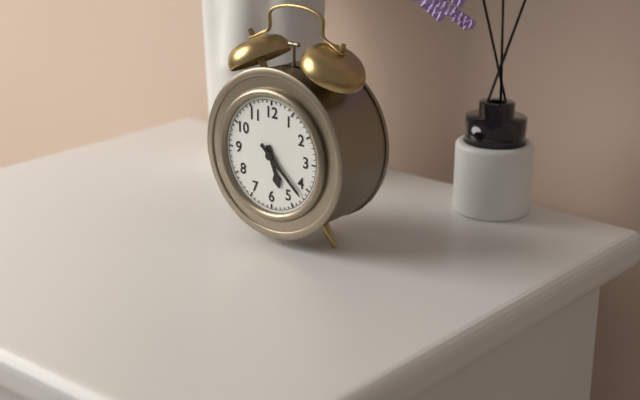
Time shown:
5,22
